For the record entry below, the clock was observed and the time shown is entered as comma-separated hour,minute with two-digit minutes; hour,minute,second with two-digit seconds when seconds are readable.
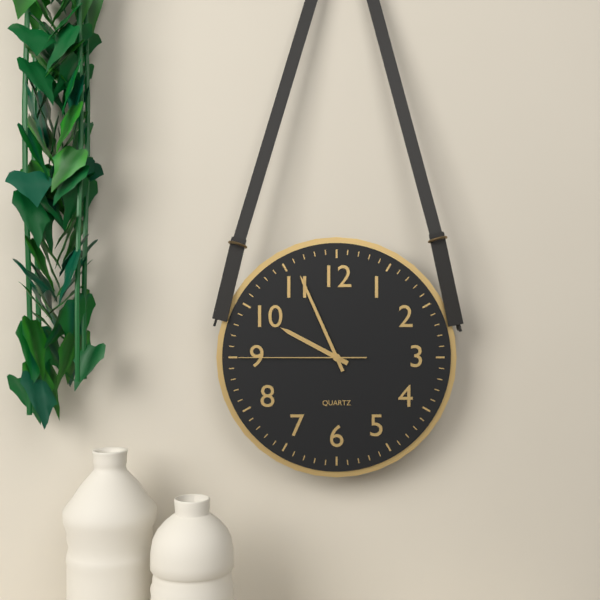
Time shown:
9,56,45
